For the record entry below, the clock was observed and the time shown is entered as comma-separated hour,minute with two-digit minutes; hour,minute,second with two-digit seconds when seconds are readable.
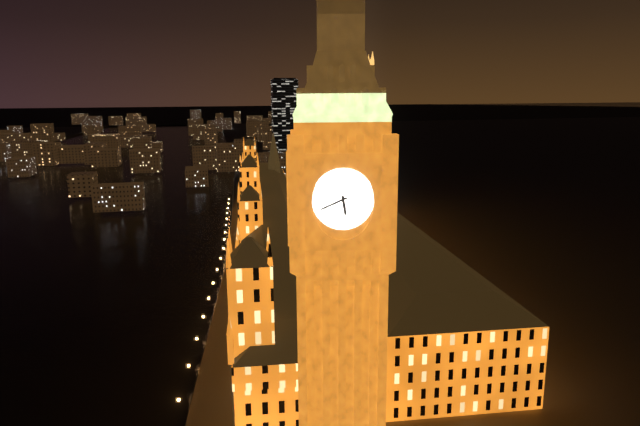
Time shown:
5,41
